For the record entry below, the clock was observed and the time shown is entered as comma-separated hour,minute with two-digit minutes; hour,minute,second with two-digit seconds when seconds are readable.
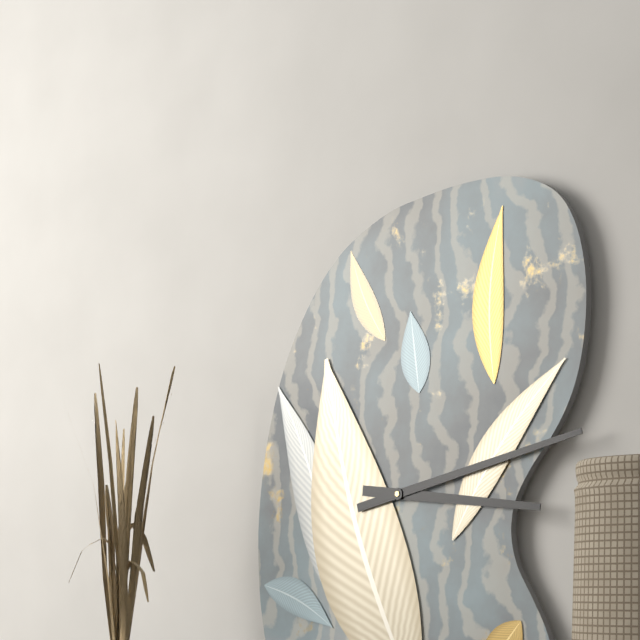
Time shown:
3,13
